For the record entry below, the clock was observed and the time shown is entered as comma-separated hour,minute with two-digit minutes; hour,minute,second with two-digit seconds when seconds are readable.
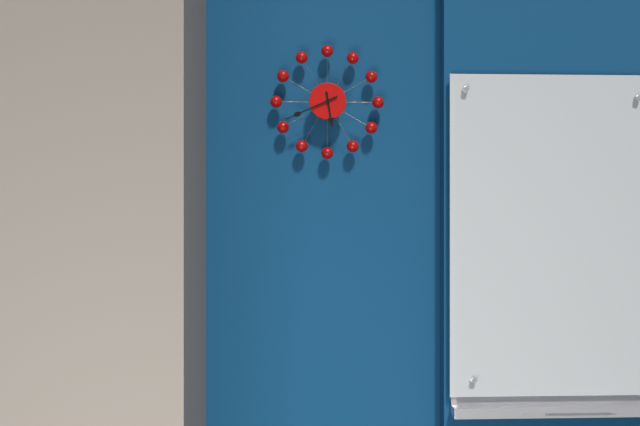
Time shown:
5,41
